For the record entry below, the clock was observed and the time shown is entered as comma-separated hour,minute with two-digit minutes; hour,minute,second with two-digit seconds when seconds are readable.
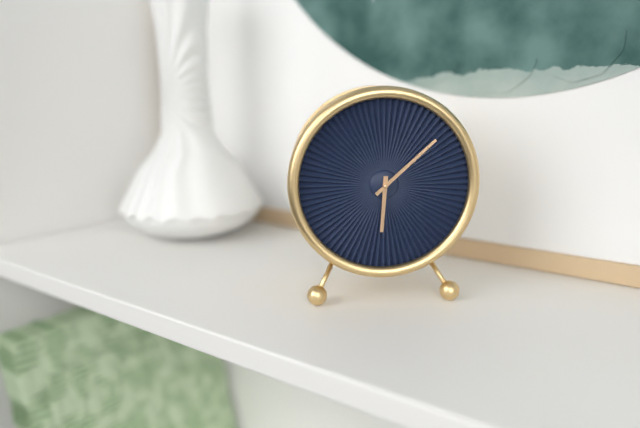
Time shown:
6,08
